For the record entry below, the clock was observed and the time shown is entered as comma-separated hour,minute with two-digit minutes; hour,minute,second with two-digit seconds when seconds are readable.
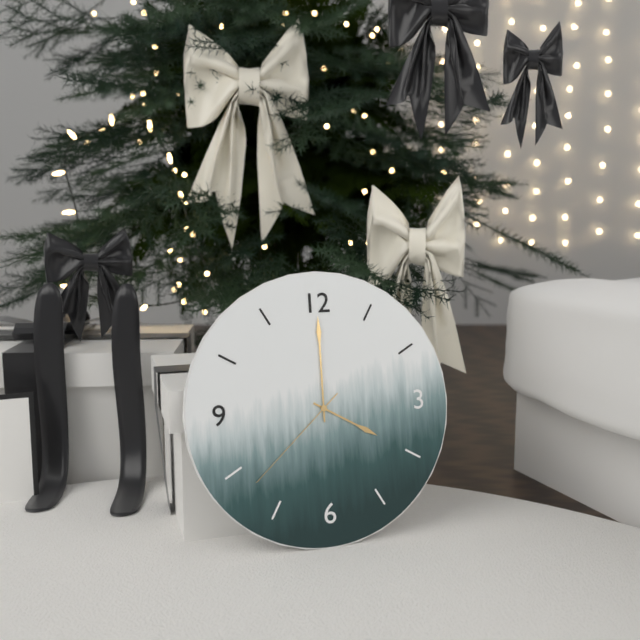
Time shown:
4,00,38
